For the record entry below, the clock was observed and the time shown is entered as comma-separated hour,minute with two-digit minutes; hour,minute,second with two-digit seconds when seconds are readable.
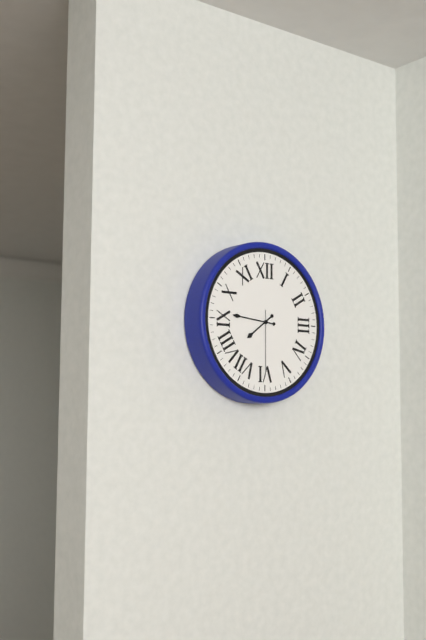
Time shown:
7,46,30
